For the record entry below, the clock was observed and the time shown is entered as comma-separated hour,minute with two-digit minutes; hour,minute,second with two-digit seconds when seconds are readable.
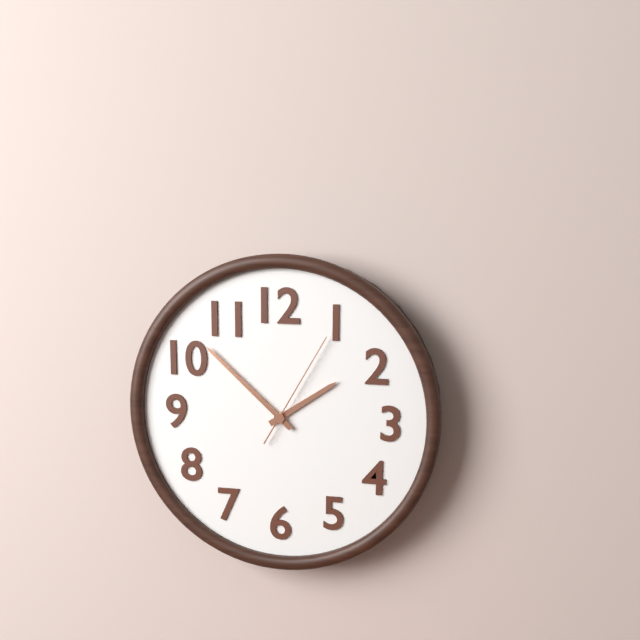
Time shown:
1,52,05
